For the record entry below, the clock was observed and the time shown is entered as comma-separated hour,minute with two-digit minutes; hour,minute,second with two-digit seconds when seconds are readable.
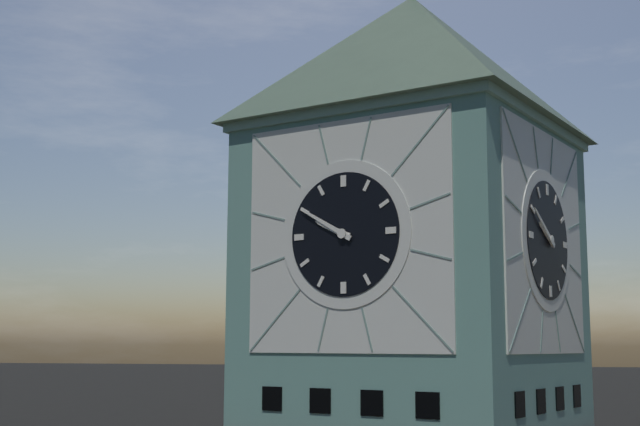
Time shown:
9,50
